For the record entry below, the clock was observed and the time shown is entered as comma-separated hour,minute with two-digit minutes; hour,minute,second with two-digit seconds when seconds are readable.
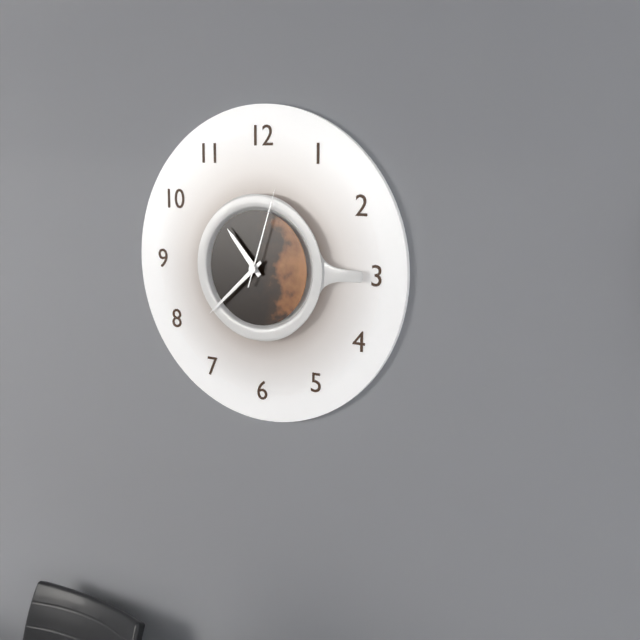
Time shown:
10,38,03
